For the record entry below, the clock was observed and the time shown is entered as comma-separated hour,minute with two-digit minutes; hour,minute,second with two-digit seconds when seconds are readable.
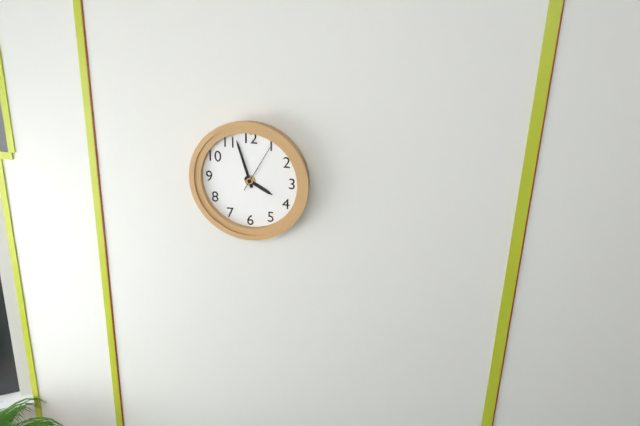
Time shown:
3,57,05
